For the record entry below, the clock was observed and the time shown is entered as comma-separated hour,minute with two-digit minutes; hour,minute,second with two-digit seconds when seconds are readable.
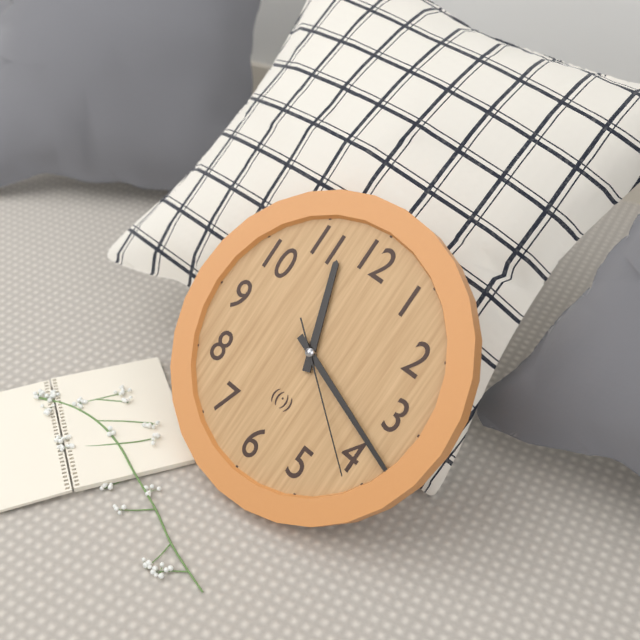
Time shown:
11,18,21
